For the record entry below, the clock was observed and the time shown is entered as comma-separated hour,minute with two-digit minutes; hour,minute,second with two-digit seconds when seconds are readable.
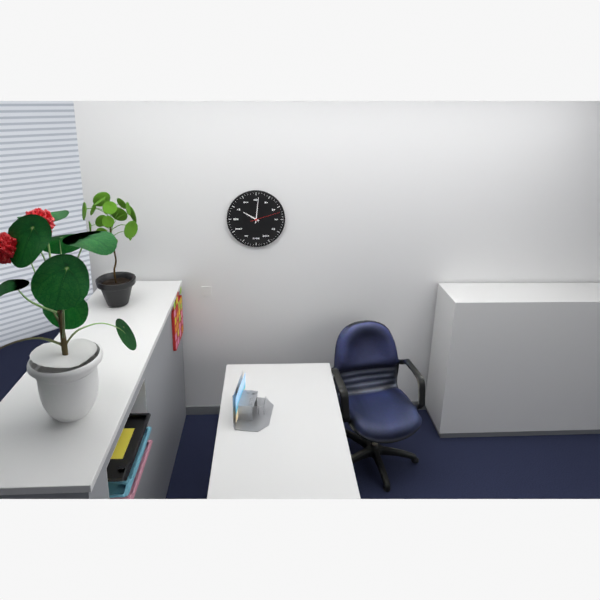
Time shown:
10,01
